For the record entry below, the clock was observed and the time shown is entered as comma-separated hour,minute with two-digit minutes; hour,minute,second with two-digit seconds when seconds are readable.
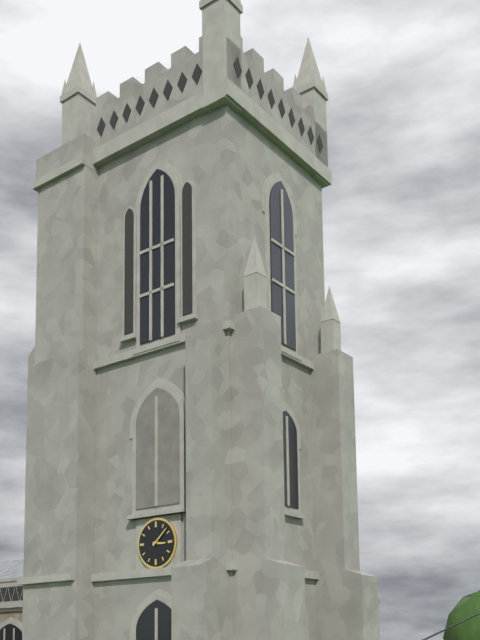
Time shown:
3,08
